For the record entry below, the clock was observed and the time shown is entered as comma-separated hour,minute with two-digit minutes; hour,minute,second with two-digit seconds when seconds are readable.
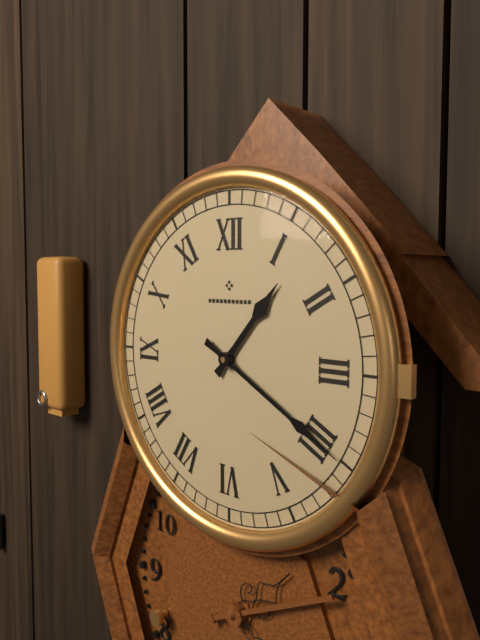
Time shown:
1,20
